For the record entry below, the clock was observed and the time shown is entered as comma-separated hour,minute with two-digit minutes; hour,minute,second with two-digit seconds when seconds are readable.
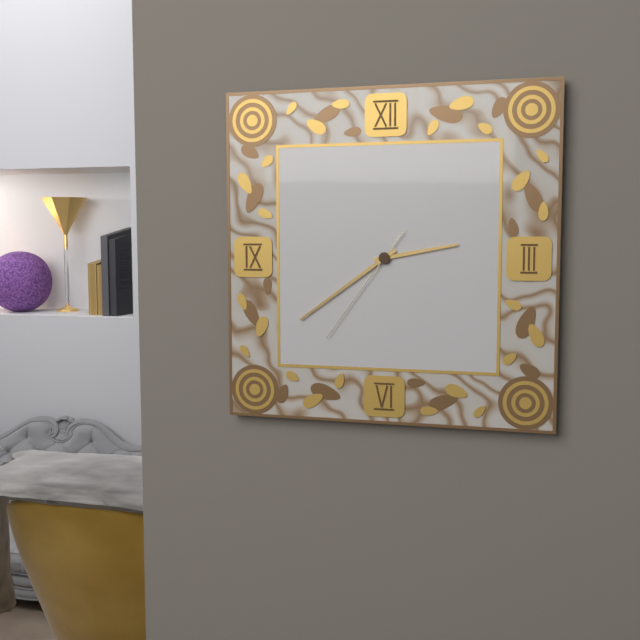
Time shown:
2,39,36
